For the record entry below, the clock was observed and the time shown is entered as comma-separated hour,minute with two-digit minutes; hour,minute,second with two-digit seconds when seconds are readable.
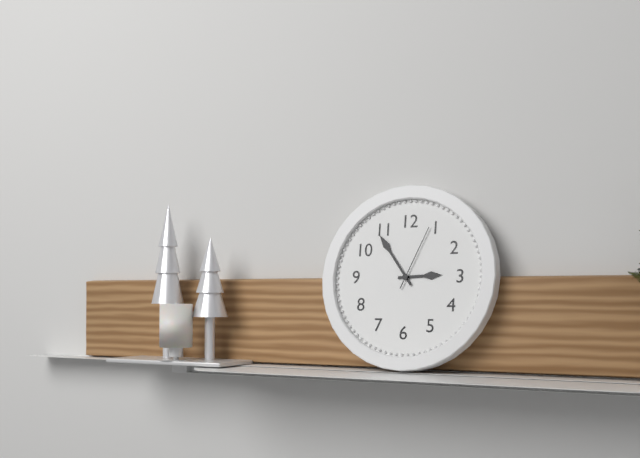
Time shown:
2,54,04
